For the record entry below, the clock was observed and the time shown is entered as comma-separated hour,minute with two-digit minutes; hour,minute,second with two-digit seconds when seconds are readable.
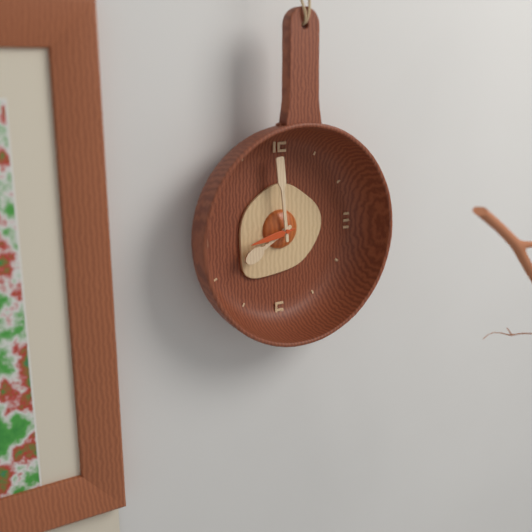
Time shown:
7,59
